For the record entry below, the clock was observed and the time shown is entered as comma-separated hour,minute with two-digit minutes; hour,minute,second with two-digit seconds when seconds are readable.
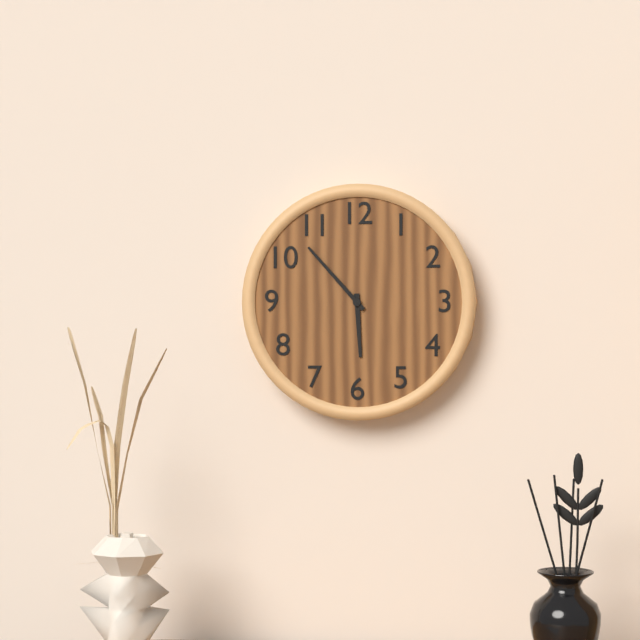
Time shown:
5,53
